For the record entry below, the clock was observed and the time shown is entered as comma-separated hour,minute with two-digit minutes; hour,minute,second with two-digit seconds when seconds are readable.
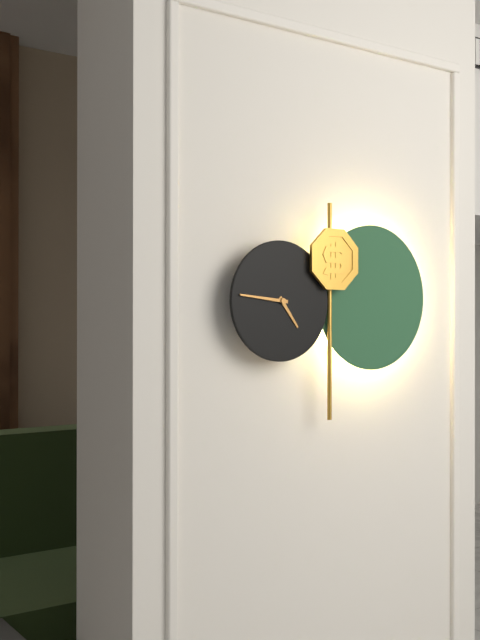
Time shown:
4,46
